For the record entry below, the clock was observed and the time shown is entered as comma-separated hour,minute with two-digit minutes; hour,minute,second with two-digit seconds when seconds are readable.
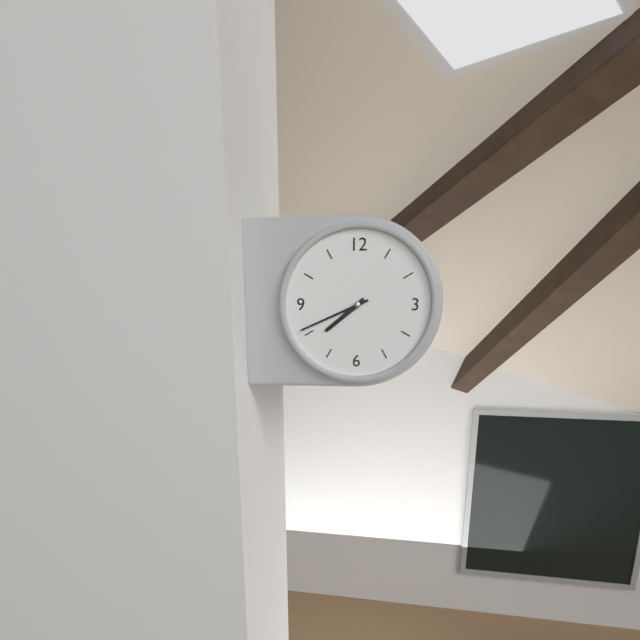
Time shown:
7,41
